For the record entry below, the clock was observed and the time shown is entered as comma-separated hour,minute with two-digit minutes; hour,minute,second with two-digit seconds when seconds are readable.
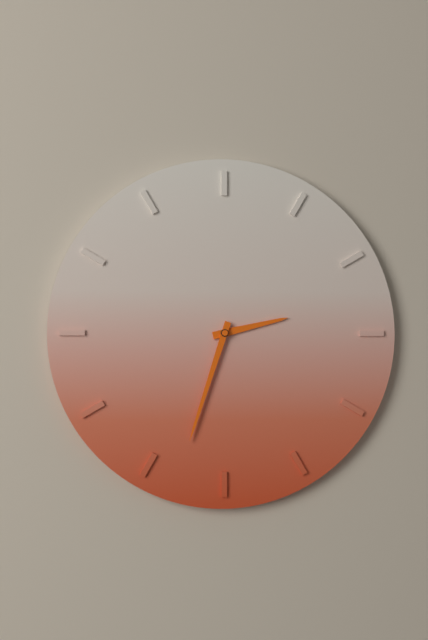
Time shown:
2,33
